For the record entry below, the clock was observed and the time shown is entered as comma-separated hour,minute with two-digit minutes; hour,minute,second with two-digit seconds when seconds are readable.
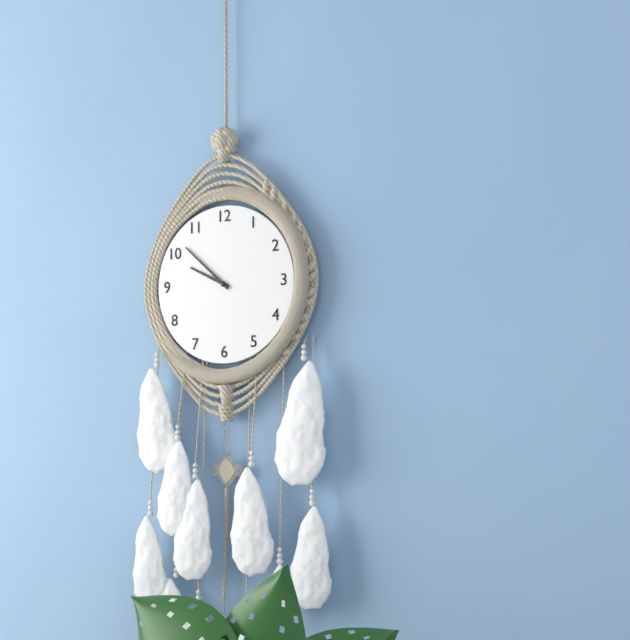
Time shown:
9,52
